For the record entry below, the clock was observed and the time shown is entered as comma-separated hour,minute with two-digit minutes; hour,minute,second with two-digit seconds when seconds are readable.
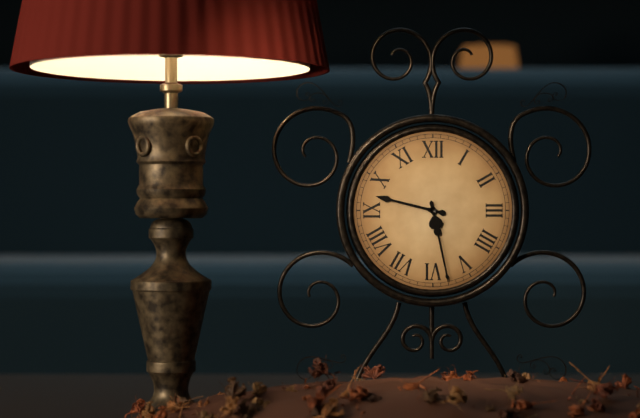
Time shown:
9,28
